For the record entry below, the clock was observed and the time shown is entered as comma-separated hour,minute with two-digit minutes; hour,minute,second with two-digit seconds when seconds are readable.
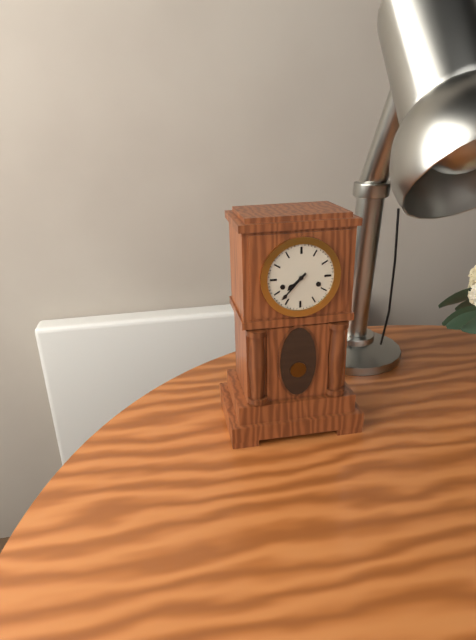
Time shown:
7,37
